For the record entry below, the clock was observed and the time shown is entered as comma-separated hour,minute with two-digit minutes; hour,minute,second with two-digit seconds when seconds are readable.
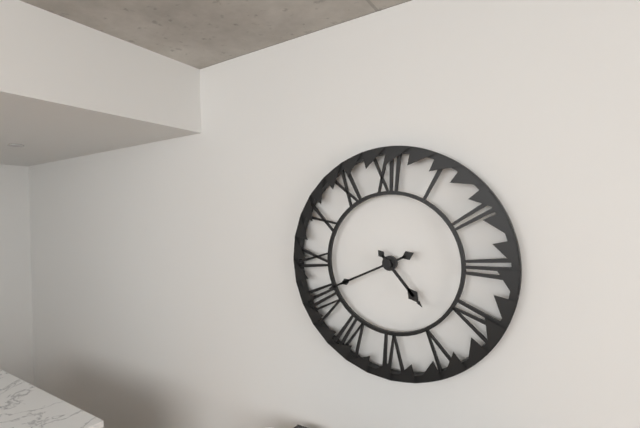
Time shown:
4,41
